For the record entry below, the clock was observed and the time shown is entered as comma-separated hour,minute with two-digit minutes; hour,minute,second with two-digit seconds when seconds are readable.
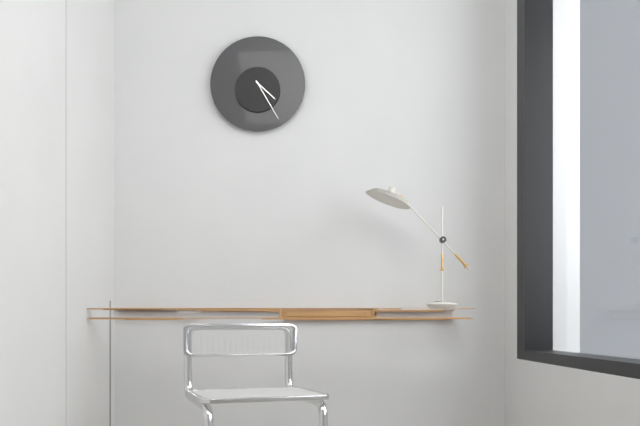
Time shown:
4,25
